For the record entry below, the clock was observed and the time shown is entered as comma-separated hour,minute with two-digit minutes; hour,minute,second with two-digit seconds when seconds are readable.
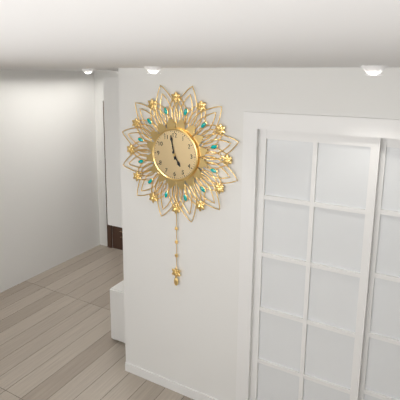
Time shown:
4,58
